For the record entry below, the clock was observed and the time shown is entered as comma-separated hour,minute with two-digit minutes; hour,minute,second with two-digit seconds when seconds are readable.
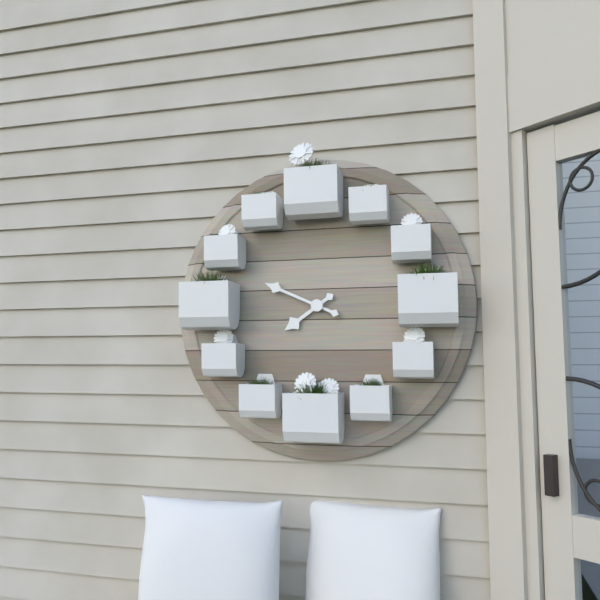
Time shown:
7,49
